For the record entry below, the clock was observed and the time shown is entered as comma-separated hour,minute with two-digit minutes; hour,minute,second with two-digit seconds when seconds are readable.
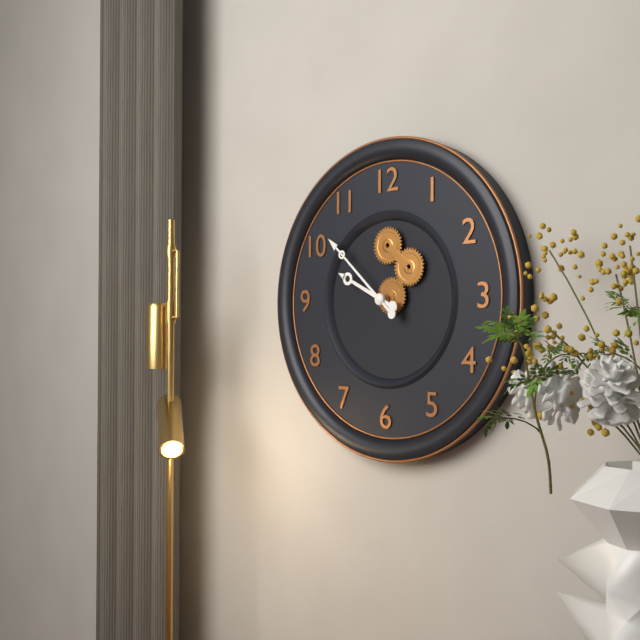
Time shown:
9,52
